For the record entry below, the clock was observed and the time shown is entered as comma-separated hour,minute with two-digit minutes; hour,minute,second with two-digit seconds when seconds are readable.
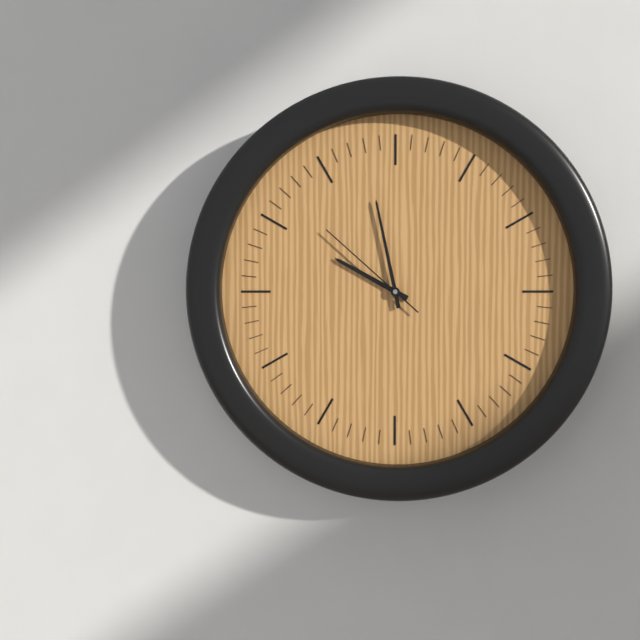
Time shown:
9,58,52
